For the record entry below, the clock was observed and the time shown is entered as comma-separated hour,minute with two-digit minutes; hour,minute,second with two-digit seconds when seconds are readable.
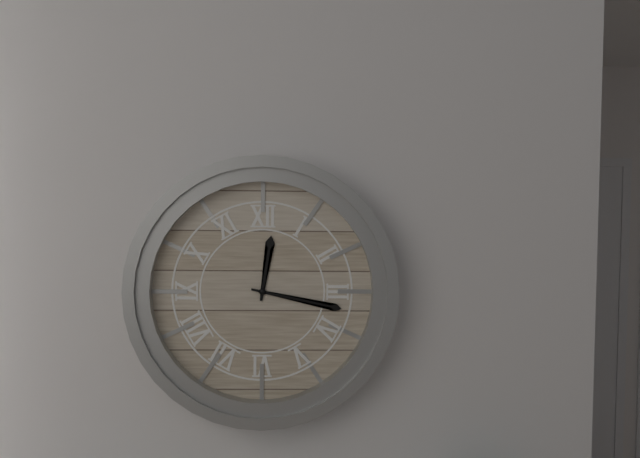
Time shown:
12,17
